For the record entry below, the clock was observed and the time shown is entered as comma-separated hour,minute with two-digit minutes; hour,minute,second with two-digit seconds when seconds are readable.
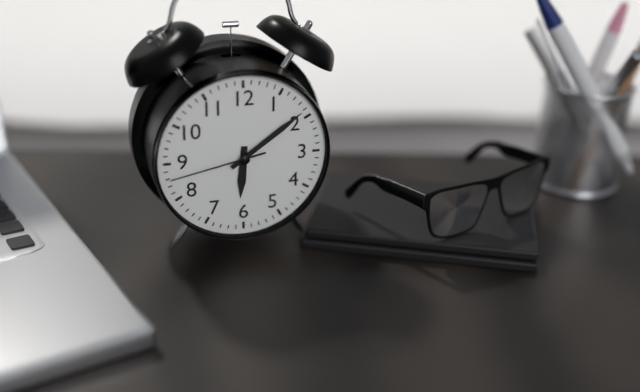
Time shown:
6,09,43
